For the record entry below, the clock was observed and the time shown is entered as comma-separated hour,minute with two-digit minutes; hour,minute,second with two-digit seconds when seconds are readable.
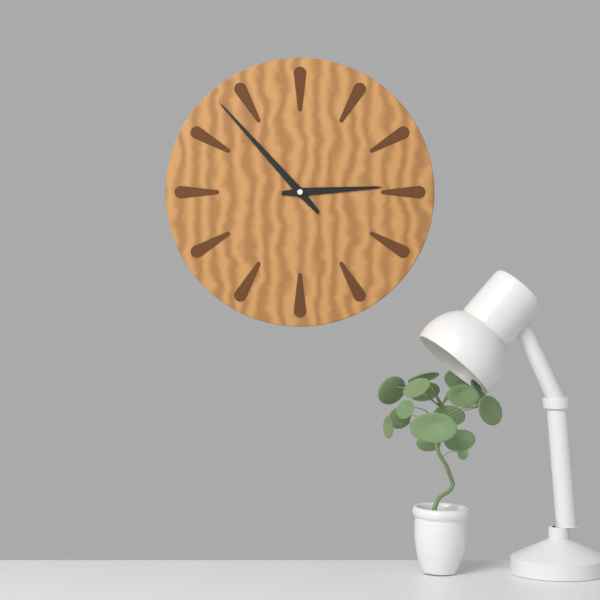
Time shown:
2,53
